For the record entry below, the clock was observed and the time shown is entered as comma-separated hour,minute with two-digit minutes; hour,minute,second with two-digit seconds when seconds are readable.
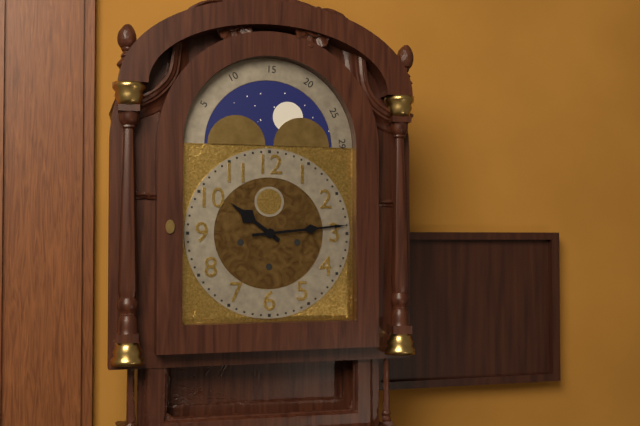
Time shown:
10,14
